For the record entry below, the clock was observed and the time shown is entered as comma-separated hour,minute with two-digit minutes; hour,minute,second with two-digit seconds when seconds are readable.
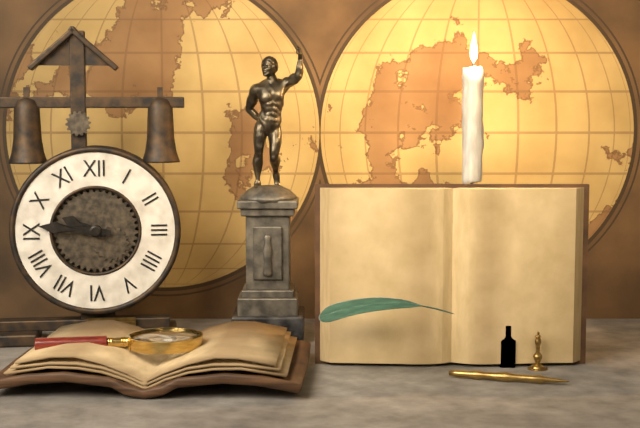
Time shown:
9,46
